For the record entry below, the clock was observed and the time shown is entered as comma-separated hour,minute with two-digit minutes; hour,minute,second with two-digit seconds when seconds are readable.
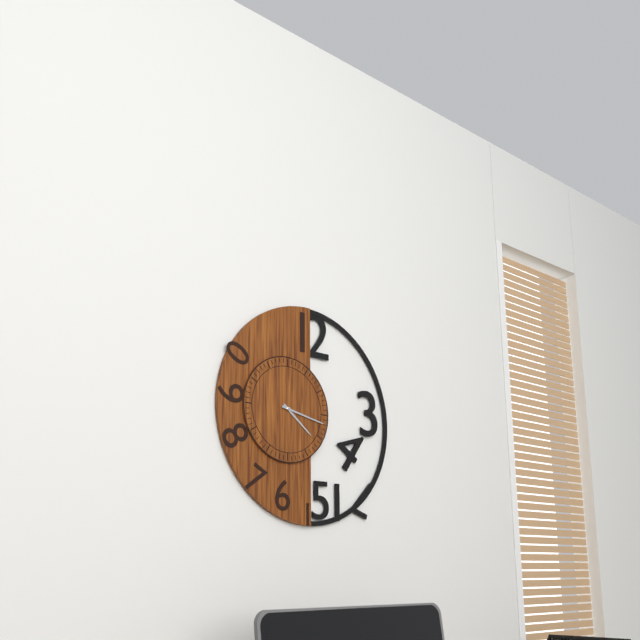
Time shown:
4,17
